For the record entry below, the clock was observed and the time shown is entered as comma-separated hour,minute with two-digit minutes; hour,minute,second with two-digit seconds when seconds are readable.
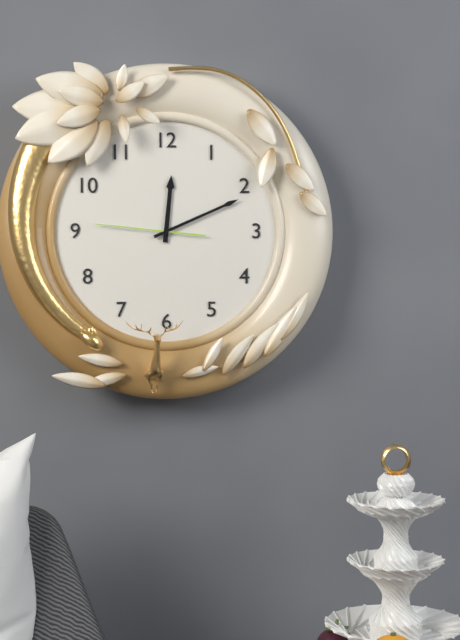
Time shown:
12,11,46
